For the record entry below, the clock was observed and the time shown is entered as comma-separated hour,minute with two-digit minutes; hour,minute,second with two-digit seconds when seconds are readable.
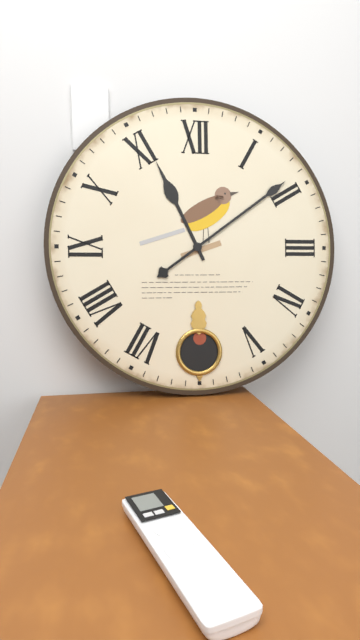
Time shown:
11,09
